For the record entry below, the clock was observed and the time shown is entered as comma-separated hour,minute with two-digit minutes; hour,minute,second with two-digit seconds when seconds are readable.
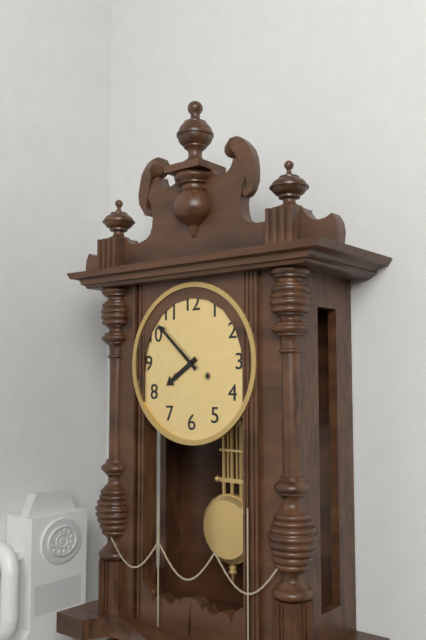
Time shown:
7,52
